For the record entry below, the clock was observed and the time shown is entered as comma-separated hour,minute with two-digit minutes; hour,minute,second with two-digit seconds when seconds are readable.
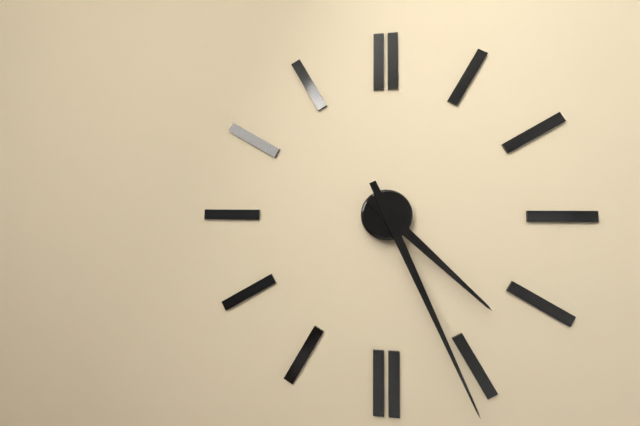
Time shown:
4,26
